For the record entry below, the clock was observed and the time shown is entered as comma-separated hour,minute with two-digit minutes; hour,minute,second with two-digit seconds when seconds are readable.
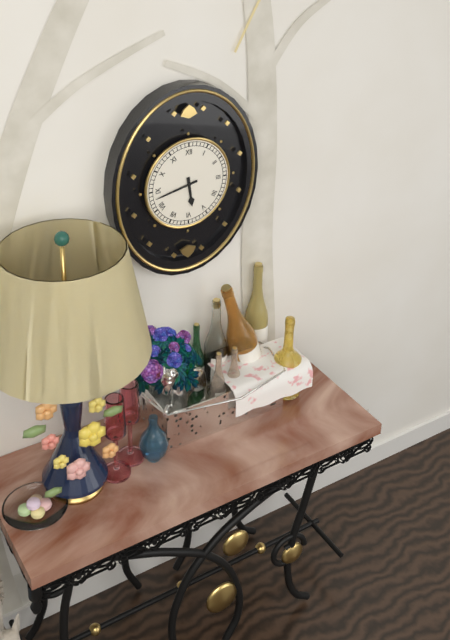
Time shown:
5,43
